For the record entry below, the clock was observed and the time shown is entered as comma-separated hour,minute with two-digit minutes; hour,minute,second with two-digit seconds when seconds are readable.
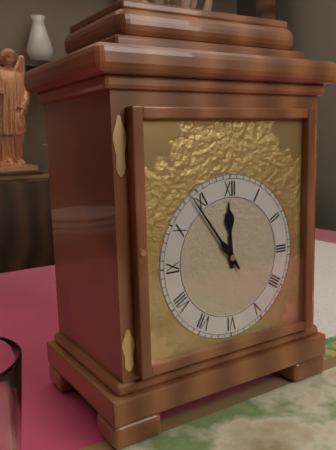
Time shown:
11,54
